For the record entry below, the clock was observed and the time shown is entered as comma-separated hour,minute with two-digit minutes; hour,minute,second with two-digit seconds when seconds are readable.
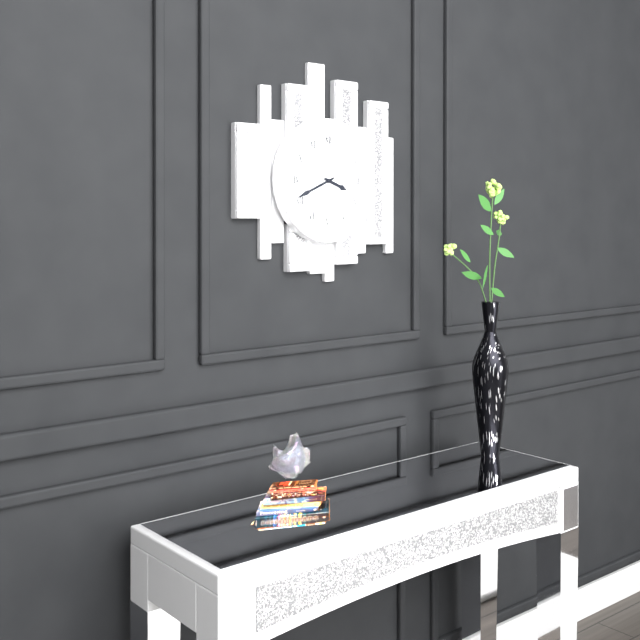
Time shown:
3,41
